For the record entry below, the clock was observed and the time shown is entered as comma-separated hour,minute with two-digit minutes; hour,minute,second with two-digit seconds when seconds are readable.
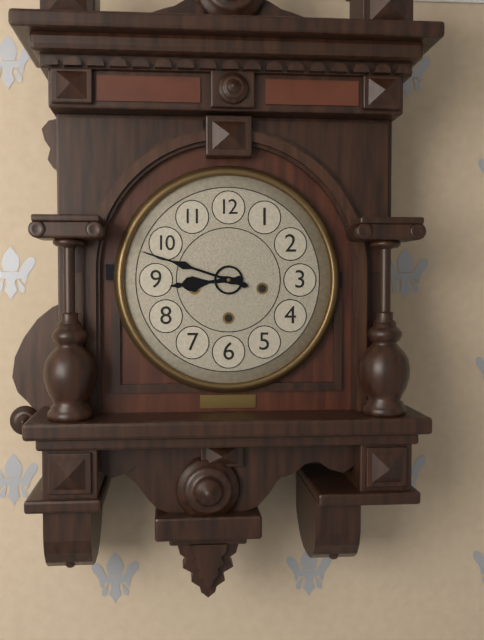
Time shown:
8,48
